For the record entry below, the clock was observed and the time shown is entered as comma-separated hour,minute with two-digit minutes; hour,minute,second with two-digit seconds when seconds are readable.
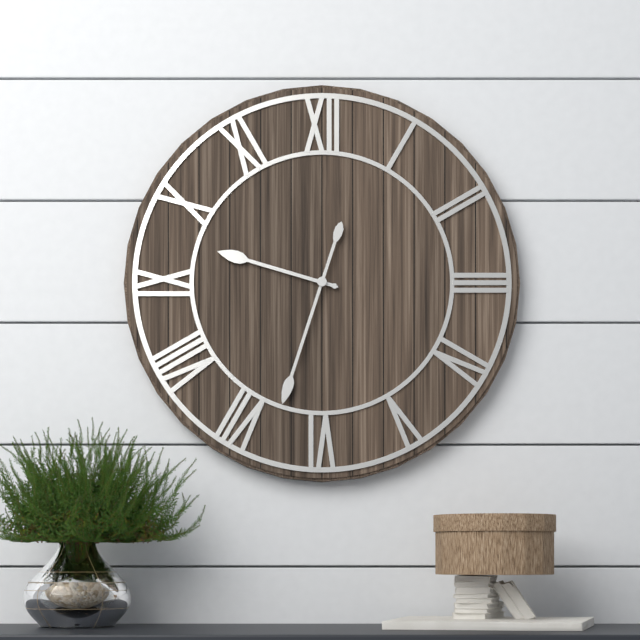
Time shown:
9,33
